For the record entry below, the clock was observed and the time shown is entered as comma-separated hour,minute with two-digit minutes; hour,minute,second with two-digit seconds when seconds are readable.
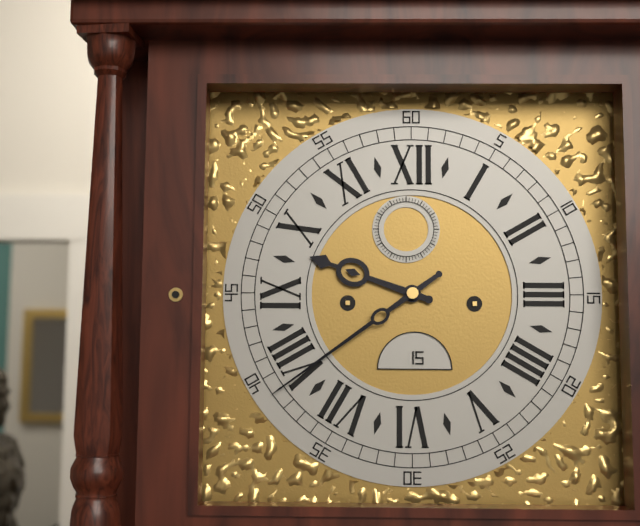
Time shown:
9,39
